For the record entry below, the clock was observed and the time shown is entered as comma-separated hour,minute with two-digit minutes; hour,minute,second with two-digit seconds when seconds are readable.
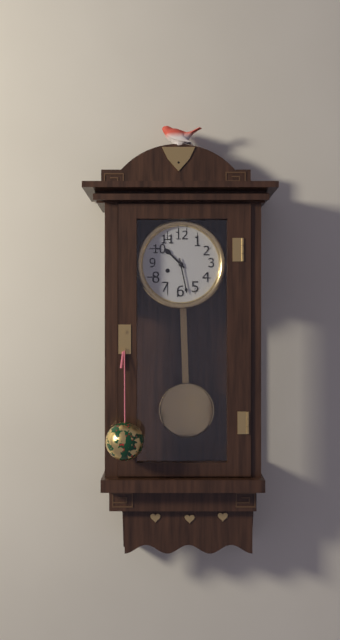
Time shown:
10,28
